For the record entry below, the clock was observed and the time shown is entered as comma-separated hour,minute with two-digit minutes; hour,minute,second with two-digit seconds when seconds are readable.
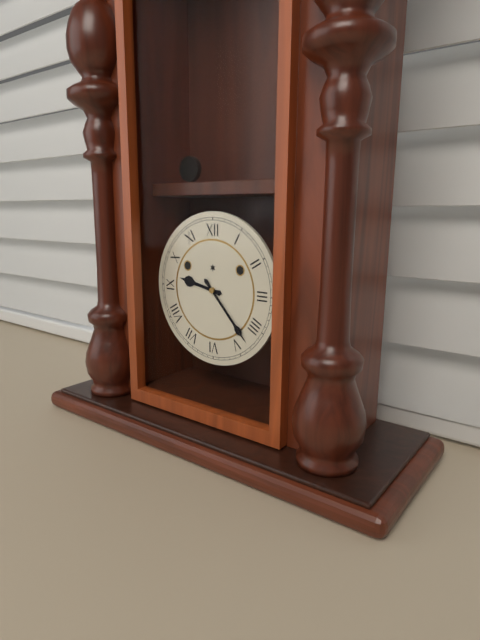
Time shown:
9,23
